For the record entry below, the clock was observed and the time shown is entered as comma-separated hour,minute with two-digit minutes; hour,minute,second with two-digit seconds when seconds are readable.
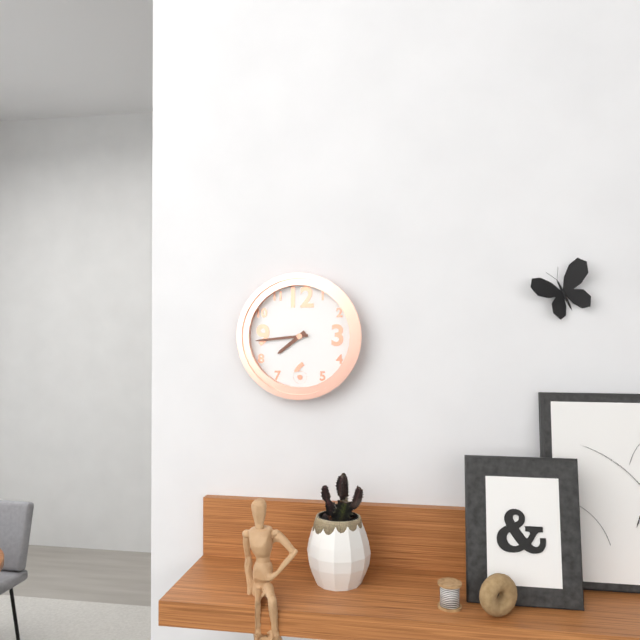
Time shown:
7,44
